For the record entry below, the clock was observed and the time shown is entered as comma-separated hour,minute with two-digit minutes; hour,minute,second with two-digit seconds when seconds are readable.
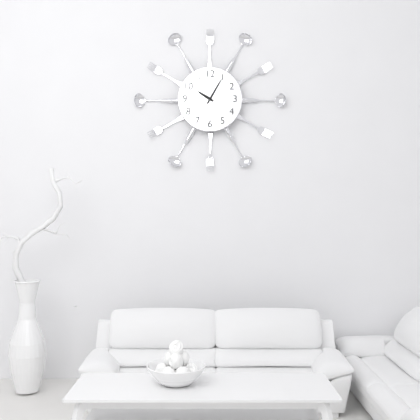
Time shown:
10,05
